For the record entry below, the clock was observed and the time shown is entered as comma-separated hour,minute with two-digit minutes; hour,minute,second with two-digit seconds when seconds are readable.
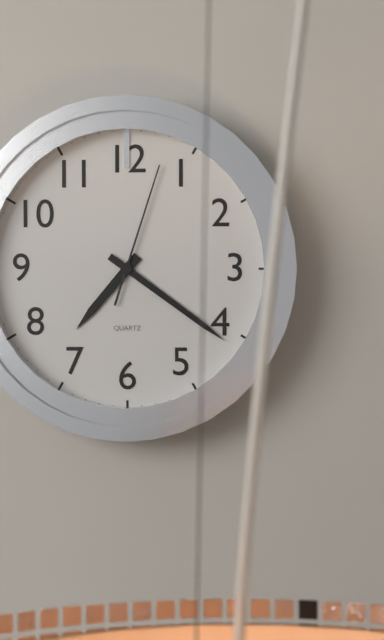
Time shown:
7,21,03
